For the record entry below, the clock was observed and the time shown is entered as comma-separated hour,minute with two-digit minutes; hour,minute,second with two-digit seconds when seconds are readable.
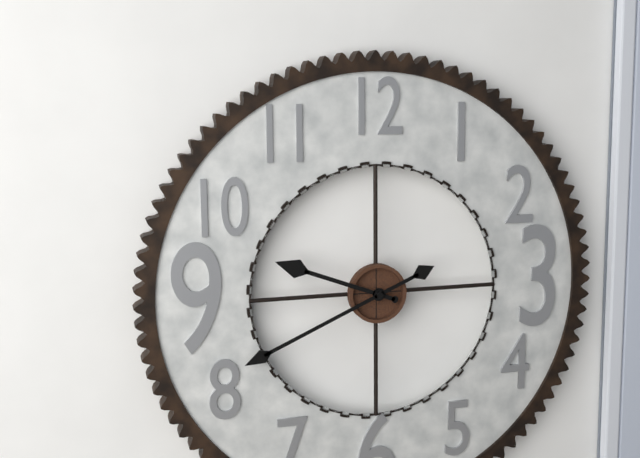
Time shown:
9,41
